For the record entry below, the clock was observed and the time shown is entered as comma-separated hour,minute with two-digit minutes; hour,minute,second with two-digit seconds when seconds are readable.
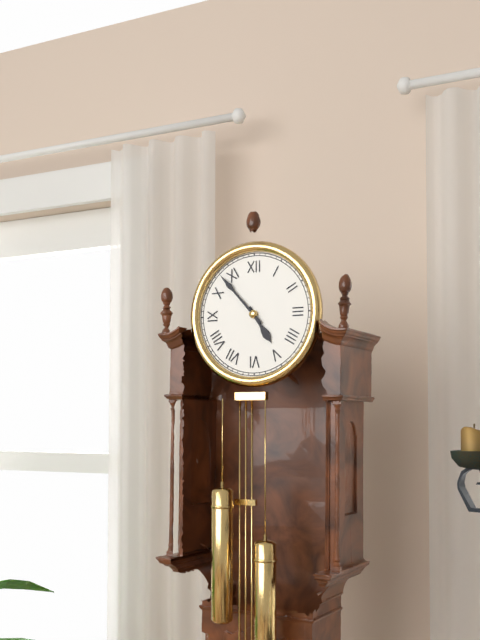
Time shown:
4,53
